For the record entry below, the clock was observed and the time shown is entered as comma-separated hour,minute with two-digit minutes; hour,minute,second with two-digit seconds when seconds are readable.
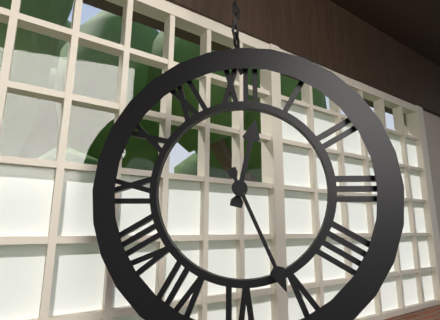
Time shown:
12,26
